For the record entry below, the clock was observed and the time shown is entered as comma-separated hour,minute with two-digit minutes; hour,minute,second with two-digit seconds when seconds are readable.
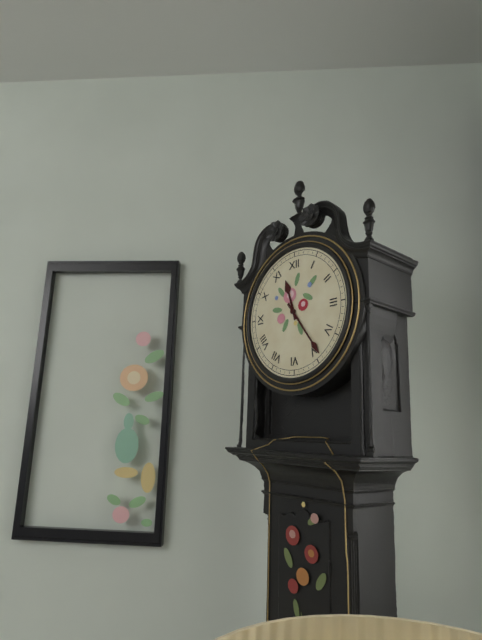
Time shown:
11,24
